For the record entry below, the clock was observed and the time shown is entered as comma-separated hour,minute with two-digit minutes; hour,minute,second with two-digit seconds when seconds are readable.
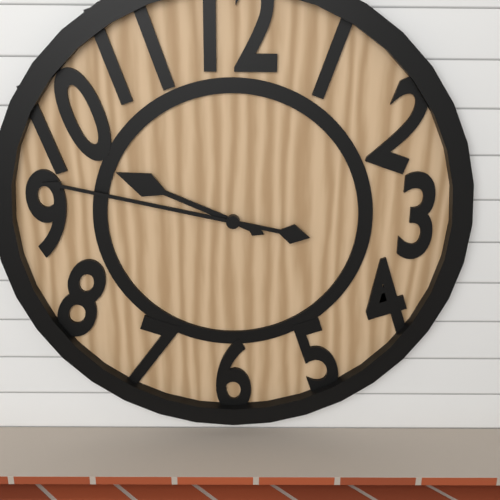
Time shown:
9,47
